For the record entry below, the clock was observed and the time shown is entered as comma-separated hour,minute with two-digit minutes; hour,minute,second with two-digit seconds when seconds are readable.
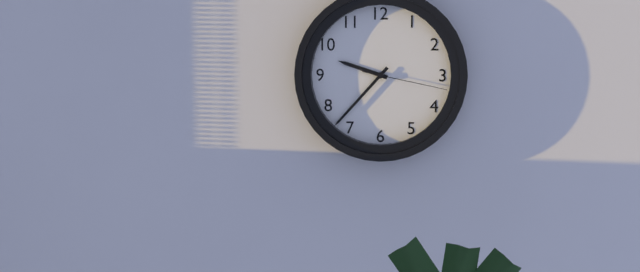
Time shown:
9,37,17
